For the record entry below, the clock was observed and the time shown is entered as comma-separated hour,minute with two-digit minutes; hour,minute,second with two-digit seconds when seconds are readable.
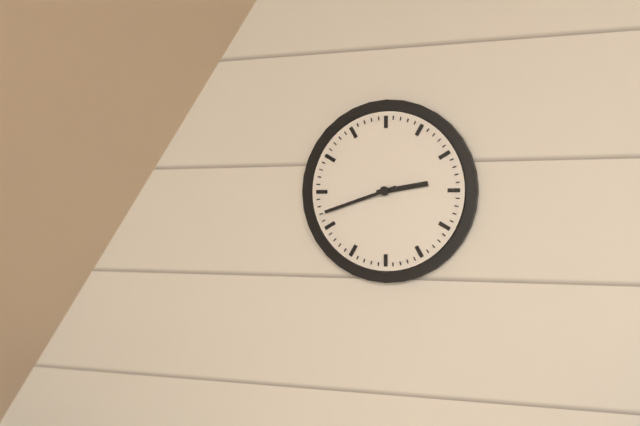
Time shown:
2,42
